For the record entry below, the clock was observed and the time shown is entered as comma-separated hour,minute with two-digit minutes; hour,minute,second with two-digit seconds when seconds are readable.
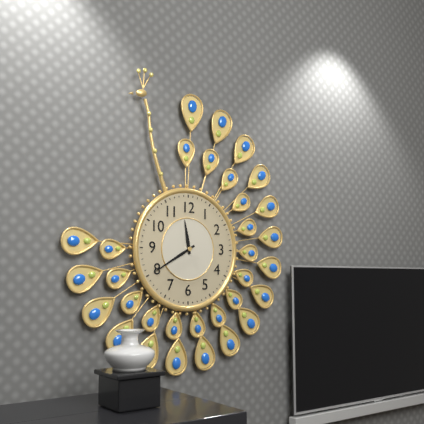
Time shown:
11,40
